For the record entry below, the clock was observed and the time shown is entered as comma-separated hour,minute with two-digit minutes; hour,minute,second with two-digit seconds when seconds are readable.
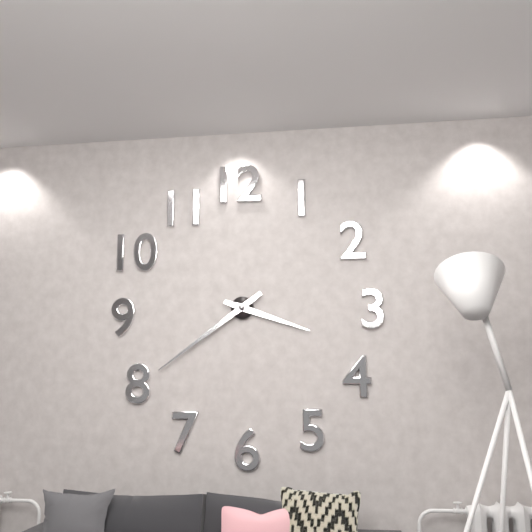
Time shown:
3,39
